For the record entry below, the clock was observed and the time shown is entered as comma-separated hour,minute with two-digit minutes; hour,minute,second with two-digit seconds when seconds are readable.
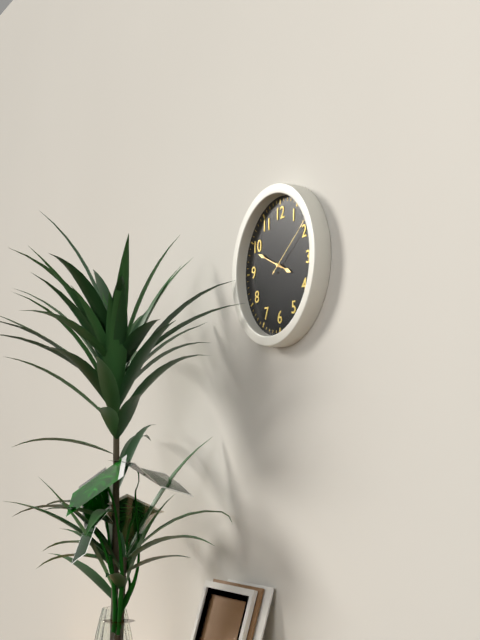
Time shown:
3,49,09
